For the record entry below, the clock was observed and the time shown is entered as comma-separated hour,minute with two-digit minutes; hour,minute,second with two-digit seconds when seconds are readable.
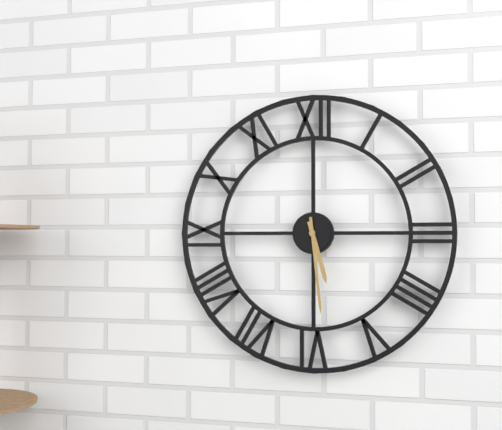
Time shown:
5,29
